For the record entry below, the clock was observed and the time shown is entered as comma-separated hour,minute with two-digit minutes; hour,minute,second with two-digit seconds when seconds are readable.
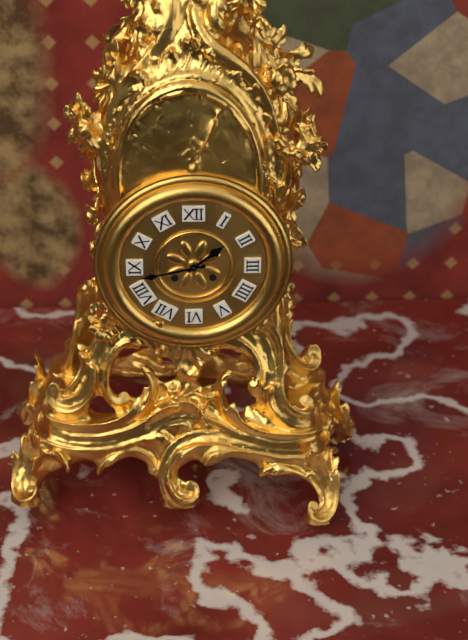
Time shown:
1,43
